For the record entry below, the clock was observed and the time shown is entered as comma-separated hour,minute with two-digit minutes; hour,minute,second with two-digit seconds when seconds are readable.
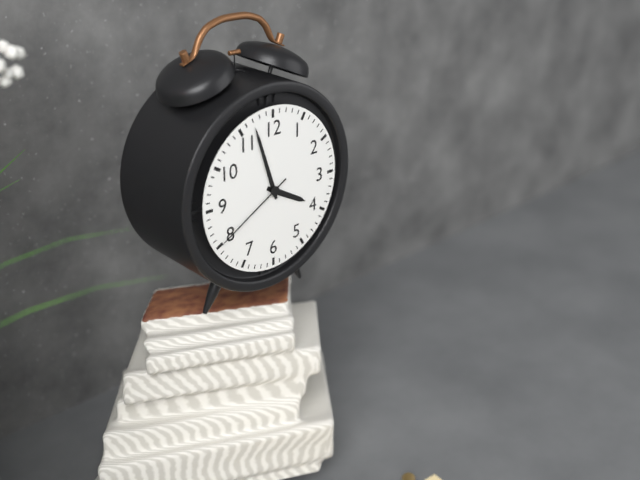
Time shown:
3,57,40
